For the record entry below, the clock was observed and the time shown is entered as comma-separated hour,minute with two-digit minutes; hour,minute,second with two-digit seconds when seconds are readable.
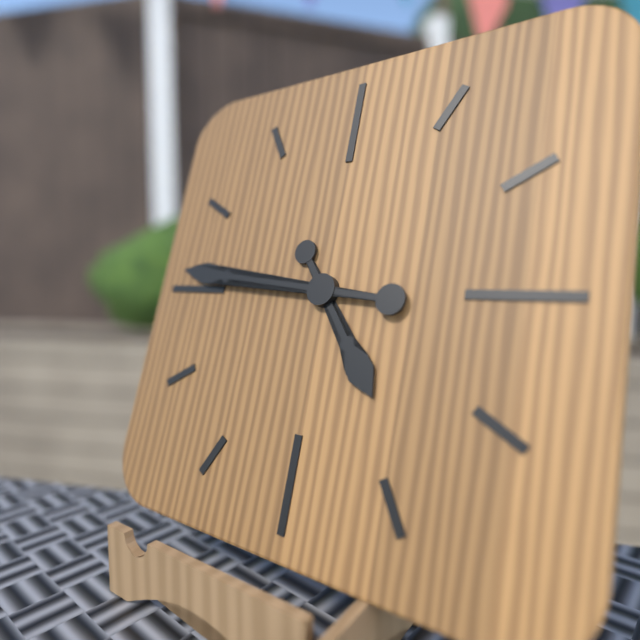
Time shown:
4,46
